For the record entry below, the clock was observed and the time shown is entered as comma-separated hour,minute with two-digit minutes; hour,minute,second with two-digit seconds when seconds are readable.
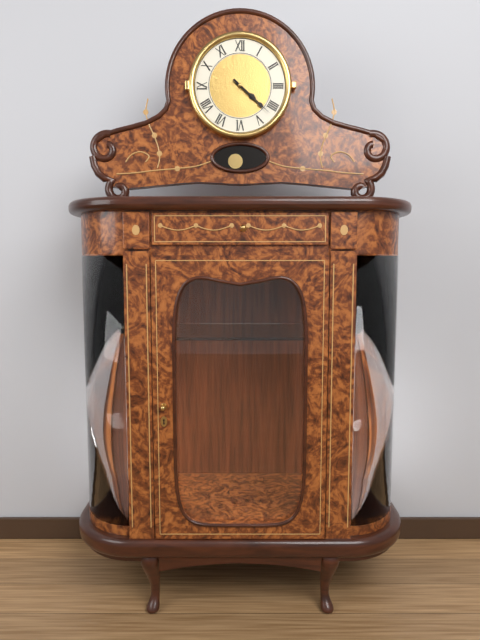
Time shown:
4,22
